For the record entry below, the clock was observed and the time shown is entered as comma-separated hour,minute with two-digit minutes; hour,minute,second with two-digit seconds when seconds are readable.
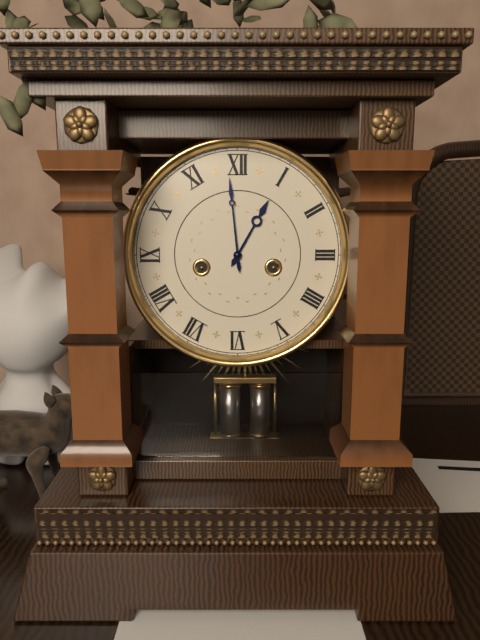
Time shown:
12,59
